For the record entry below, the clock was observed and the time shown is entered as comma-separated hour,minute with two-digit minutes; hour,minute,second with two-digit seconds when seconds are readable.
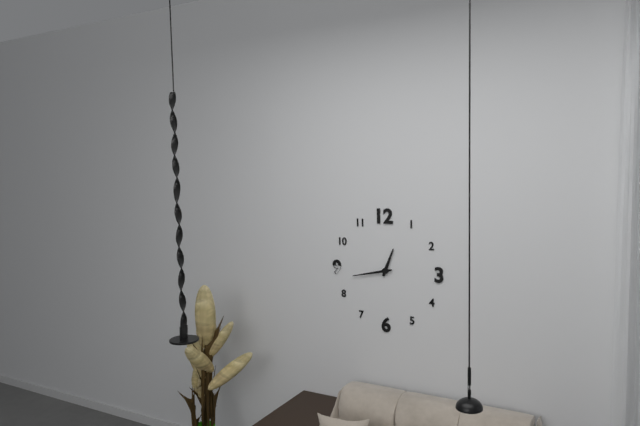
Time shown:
12,43
